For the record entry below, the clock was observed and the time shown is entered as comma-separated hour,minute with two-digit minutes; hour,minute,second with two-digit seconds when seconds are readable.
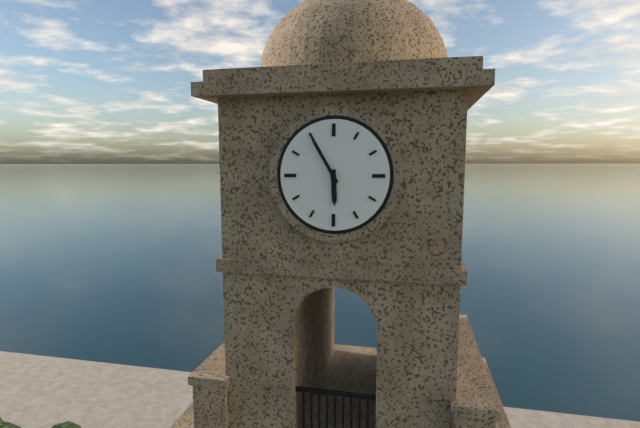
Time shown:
5,55
